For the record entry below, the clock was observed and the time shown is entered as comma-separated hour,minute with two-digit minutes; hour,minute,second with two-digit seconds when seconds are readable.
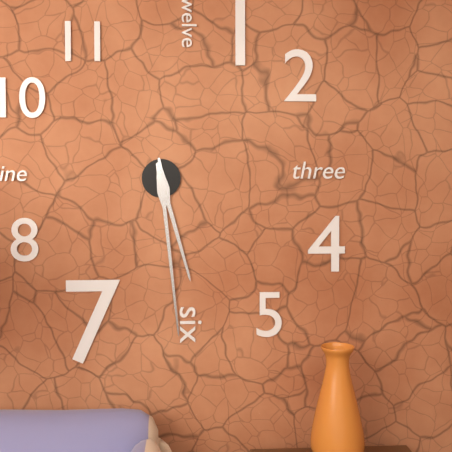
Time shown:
5,29
